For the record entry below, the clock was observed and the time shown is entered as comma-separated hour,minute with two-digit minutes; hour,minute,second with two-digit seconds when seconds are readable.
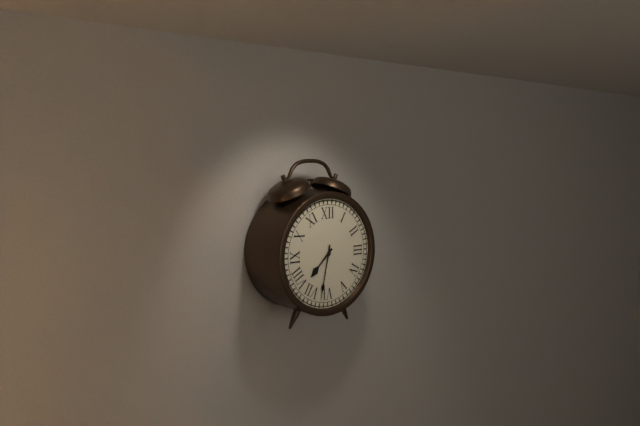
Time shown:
7,32
